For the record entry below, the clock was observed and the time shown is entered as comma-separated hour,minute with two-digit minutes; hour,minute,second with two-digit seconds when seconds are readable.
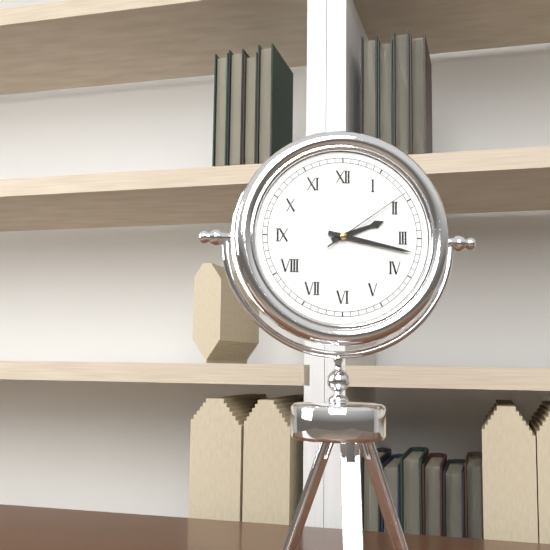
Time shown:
2,17,09
